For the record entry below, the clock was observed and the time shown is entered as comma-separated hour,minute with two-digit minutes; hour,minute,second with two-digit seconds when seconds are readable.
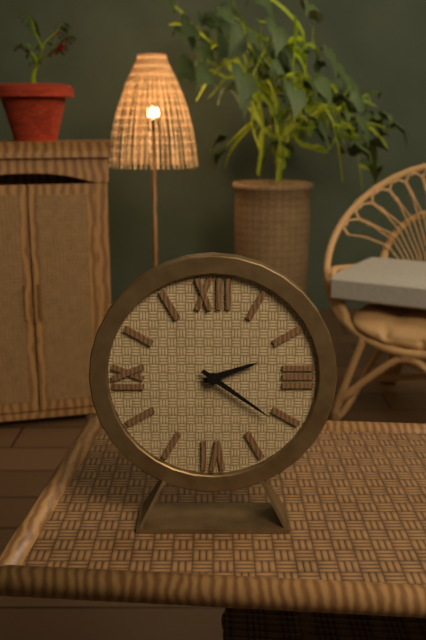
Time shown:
2,21
